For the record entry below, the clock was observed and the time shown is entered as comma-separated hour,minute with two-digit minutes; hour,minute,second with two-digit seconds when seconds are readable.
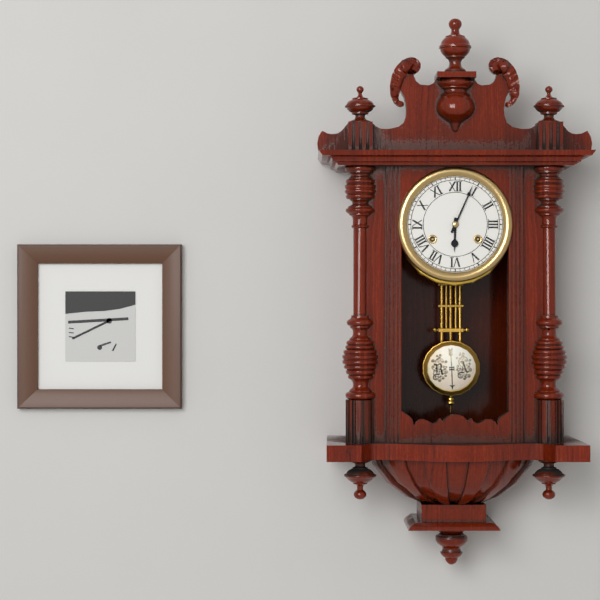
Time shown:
6,04
